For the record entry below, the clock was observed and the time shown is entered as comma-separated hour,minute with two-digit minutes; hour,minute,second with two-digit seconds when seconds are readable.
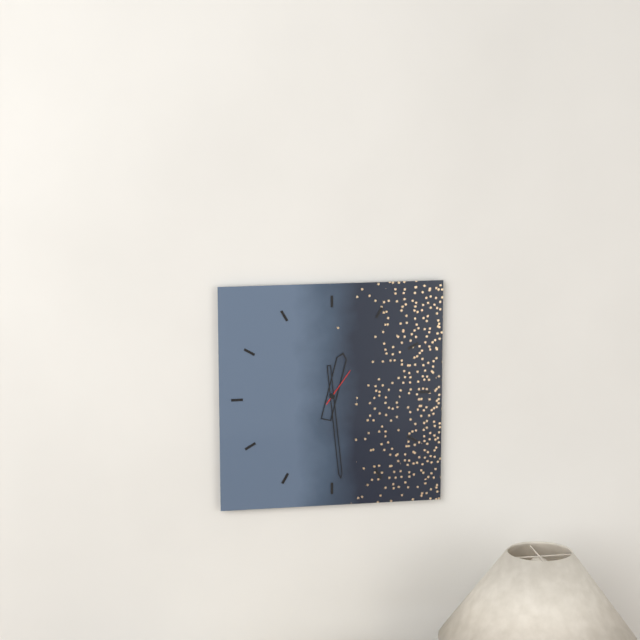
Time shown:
12,29
